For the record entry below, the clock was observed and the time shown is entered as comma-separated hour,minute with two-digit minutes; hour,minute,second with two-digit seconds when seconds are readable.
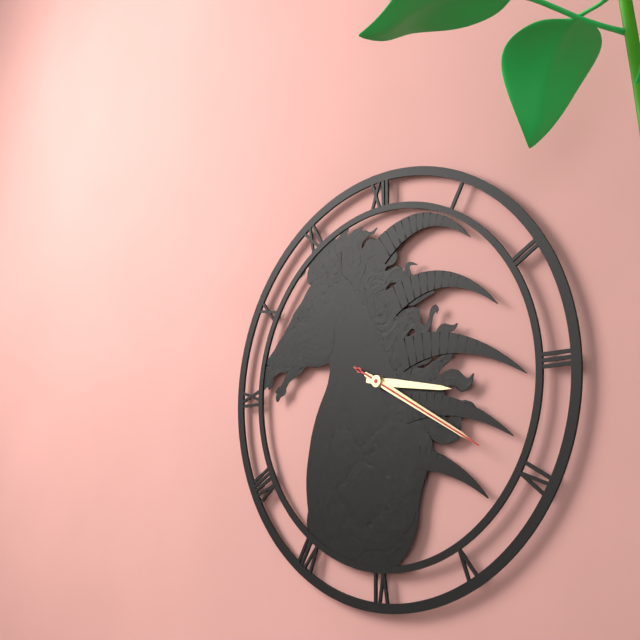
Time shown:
3,20,20
